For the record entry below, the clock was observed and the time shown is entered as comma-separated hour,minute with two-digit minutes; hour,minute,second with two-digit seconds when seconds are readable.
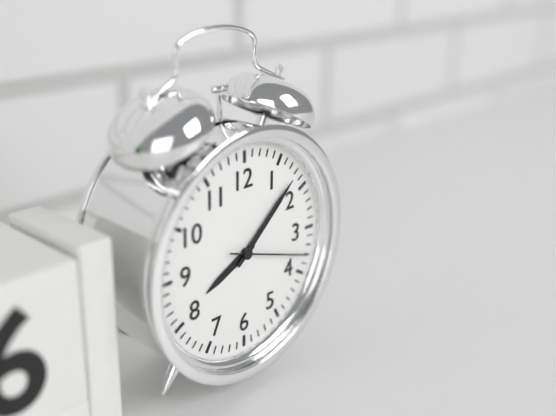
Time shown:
8,08,18
